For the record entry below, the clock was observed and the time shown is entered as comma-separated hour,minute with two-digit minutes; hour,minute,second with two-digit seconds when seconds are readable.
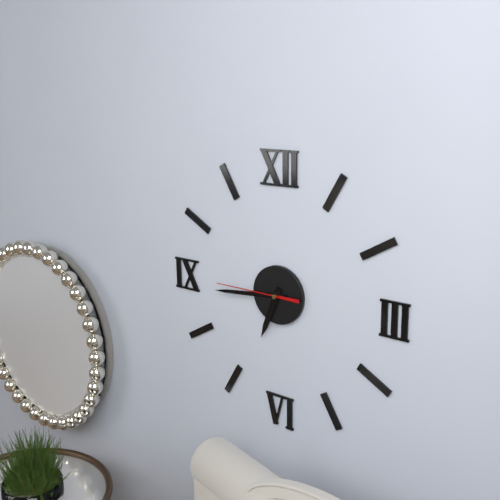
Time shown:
6,44,45
